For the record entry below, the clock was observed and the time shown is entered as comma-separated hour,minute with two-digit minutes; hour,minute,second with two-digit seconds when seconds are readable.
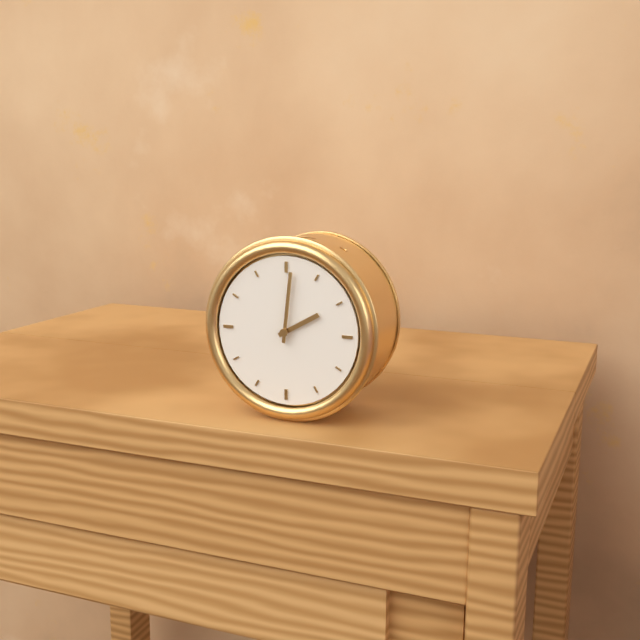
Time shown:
2,01
